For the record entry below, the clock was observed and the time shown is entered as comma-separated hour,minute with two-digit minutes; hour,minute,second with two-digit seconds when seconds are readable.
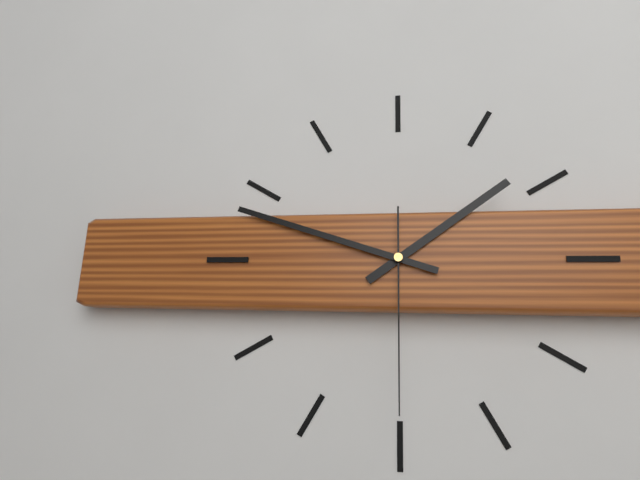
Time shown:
1,48,30
